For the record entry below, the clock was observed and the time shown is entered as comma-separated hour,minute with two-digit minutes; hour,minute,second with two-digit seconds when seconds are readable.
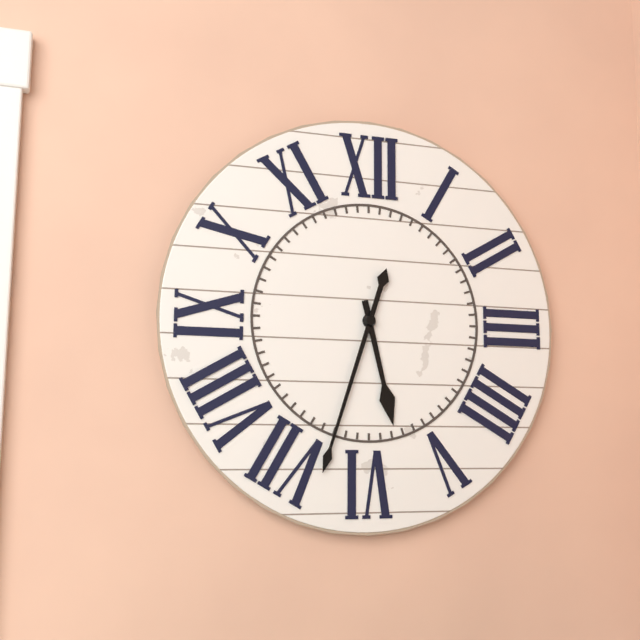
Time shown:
5,33
